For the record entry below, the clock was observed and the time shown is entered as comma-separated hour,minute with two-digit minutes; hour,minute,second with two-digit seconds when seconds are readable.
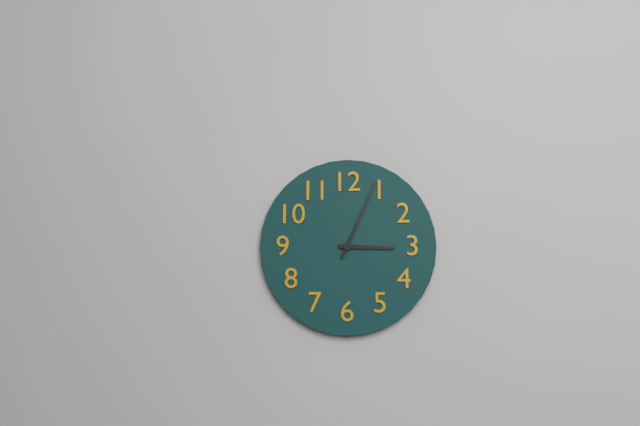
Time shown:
3,04
